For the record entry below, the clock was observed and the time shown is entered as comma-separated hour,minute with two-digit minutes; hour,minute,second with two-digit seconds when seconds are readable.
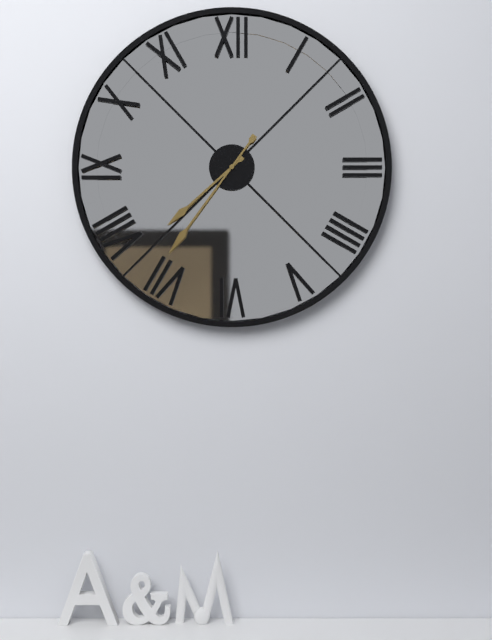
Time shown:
7,36
